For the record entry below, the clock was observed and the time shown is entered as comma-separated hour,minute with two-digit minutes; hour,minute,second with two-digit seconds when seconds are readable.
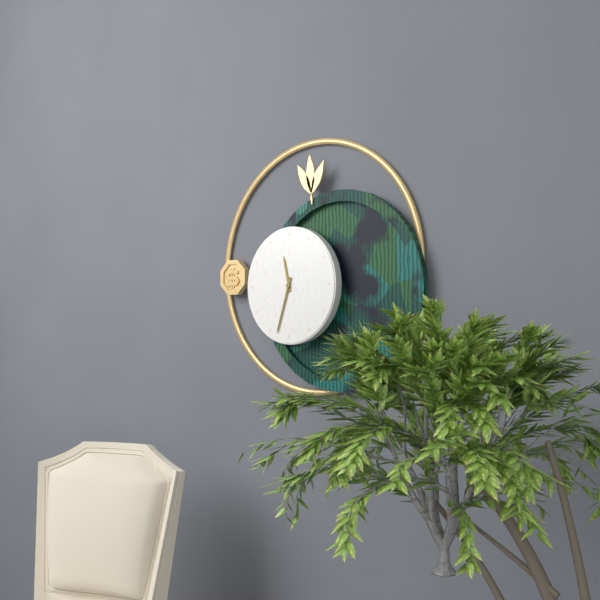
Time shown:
11,33
